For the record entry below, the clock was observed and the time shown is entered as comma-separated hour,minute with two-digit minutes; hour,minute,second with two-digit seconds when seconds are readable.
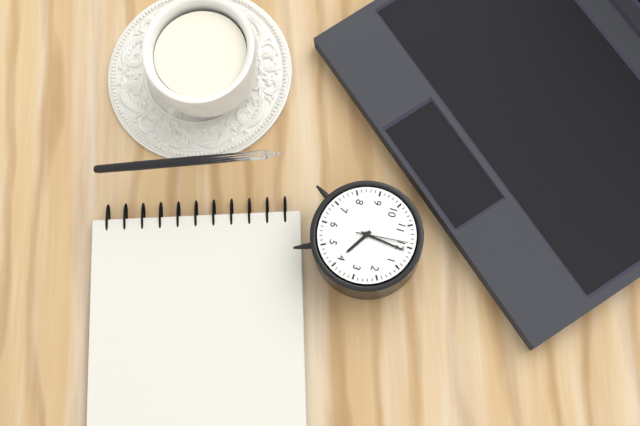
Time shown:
4,01,59
